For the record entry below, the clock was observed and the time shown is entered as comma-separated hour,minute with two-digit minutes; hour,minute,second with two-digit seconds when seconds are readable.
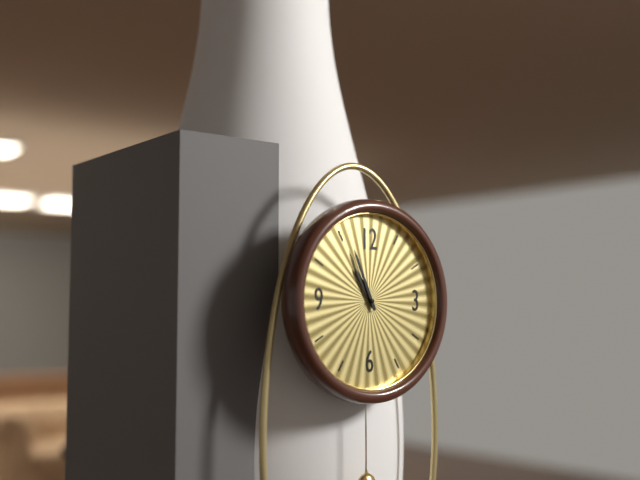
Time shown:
10,56
